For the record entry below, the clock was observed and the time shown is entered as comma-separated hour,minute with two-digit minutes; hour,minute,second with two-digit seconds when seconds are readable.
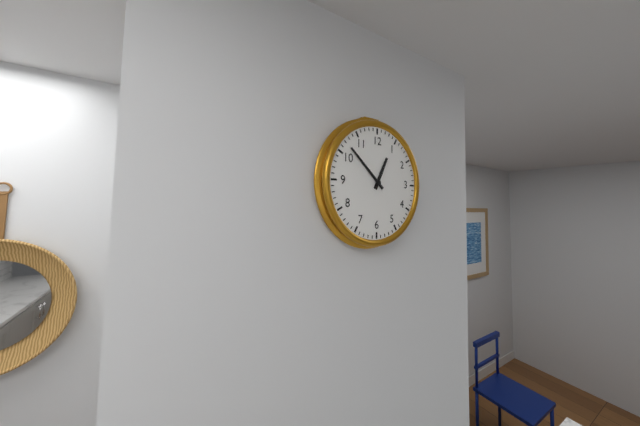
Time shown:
12,52
